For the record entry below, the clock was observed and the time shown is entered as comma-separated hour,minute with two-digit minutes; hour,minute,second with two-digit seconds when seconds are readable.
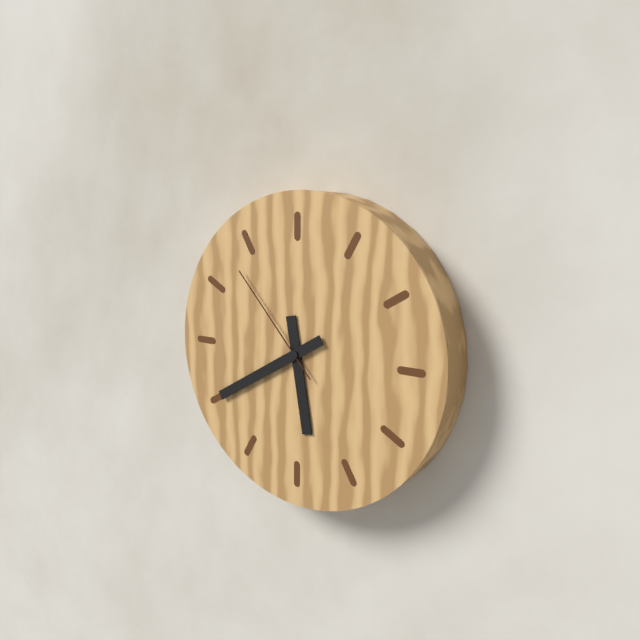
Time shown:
5,40,53
